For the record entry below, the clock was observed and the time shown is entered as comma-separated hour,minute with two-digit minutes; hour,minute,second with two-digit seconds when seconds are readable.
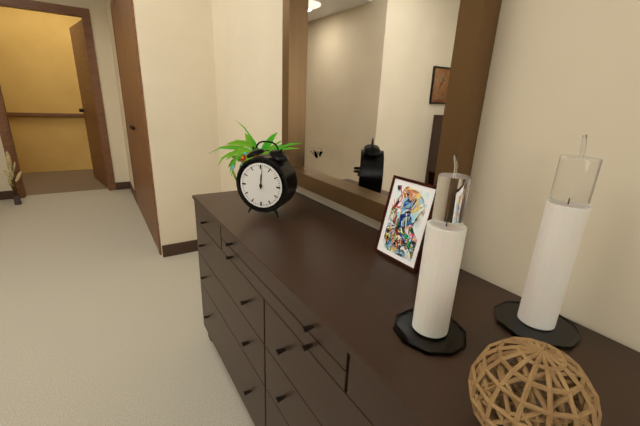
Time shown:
12,01
